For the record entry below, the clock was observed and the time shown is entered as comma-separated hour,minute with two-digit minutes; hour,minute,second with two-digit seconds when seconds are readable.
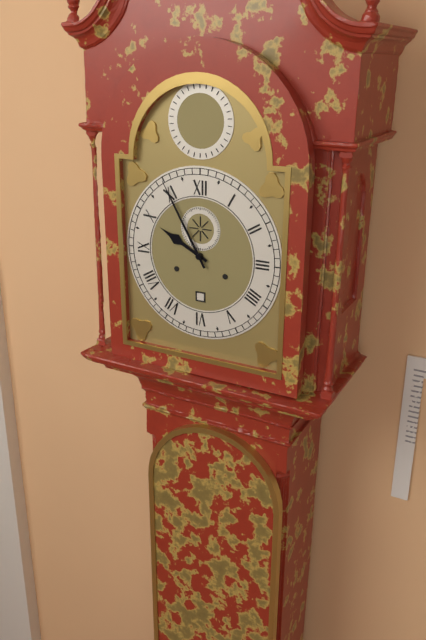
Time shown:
9,55
